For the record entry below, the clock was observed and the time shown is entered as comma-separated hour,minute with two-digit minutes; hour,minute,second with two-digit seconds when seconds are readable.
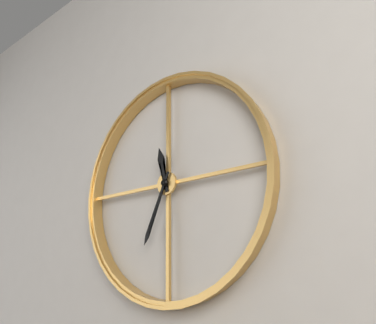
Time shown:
11,34
